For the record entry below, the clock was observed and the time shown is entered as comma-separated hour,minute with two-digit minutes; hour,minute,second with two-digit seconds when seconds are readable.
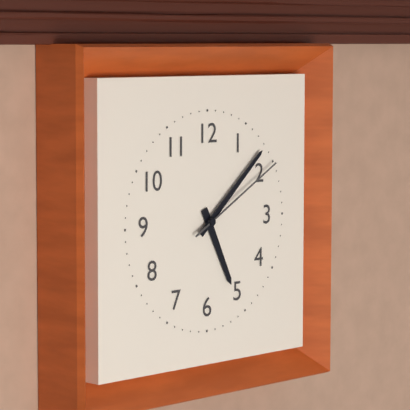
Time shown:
5,08,10
